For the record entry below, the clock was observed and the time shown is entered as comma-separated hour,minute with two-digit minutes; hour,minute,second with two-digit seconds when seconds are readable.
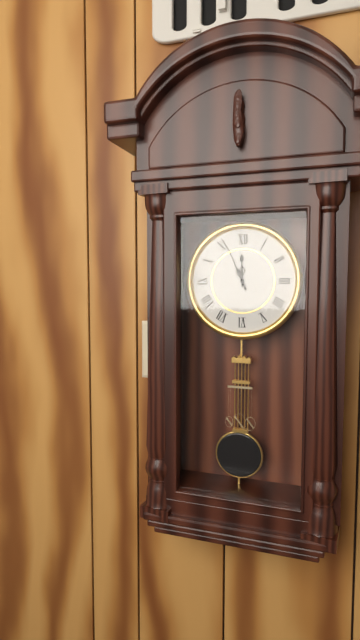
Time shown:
11,56
